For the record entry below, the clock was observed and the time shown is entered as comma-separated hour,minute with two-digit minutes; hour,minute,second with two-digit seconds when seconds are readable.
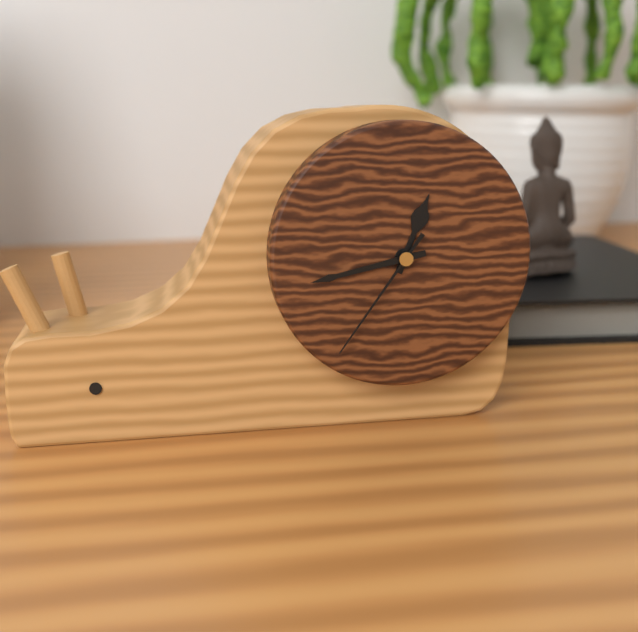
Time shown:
12,43,36
